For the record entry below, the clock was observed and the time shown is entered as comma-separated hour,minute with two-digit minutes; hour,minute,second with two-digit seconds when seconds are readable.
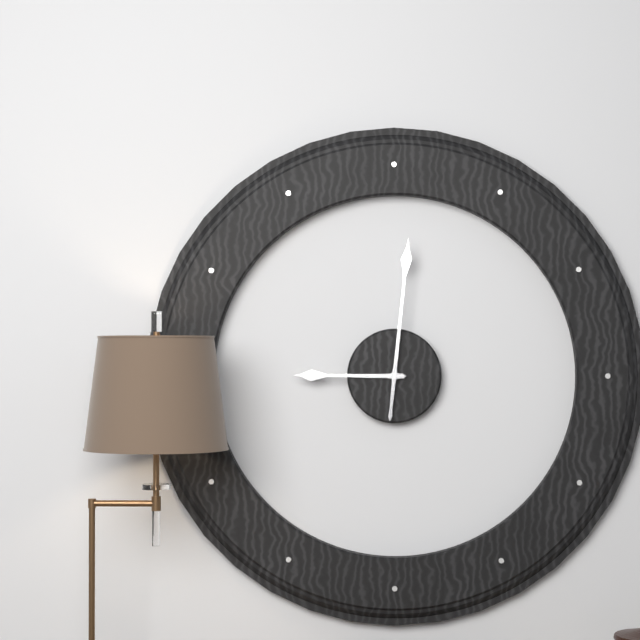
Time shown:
9,01
